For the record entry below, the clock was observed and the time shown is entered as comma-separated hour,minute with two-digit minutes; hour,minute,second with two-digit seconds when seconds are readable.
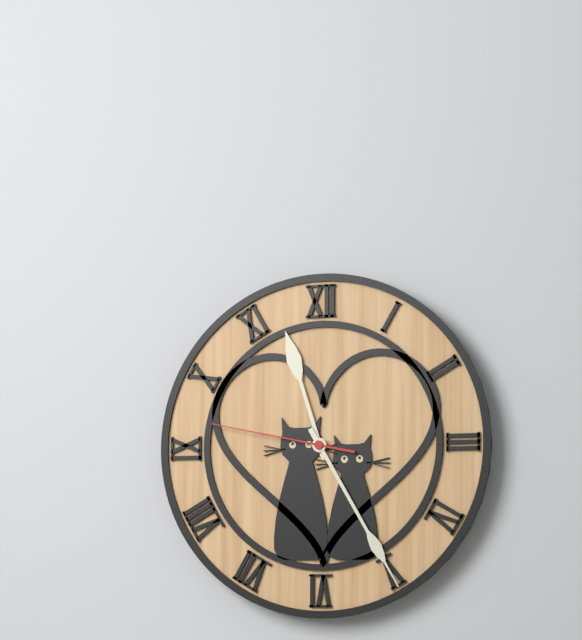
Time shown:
11,25,47
